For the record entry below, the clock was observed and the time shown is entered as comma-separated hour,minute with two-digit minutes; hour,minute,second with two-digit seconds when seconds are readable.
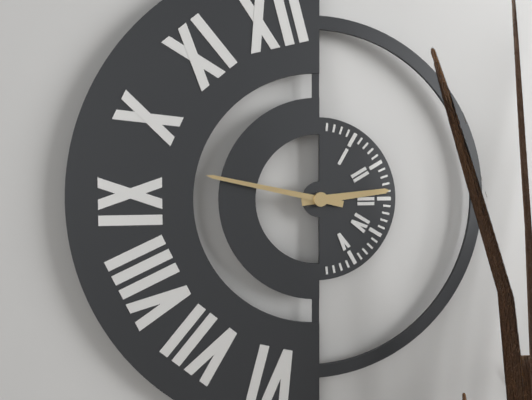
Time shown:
2,47
